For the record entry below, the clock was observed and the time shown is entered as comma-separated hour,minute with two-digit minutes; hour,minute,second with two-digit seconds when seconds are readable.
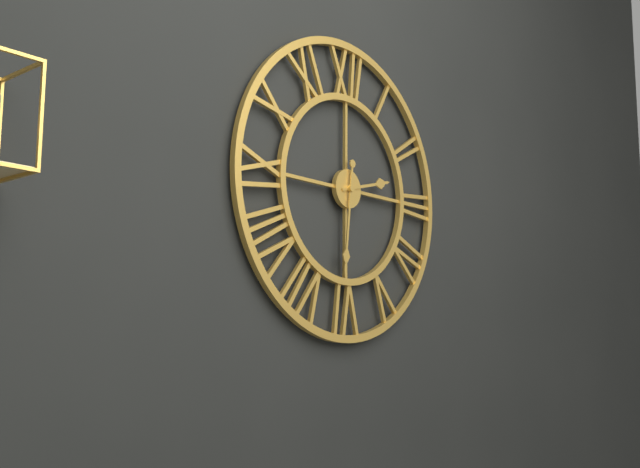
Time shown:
2,31
